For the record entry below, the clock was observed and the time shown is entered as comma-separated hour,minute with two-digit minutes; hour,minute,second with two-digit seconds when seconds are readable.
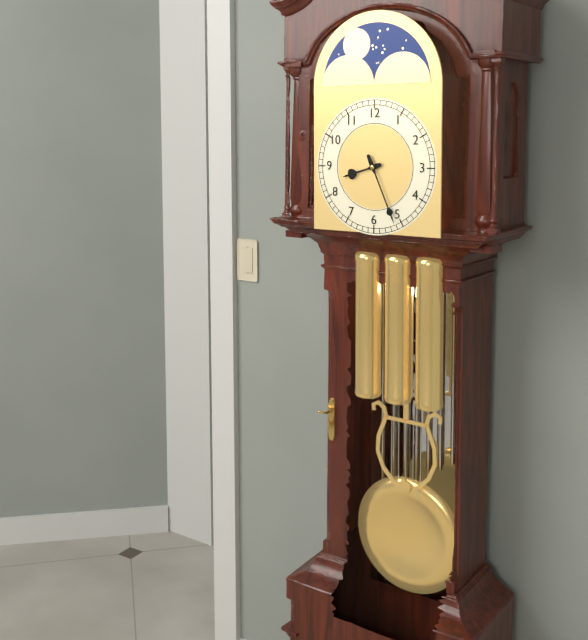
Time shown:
8,26
